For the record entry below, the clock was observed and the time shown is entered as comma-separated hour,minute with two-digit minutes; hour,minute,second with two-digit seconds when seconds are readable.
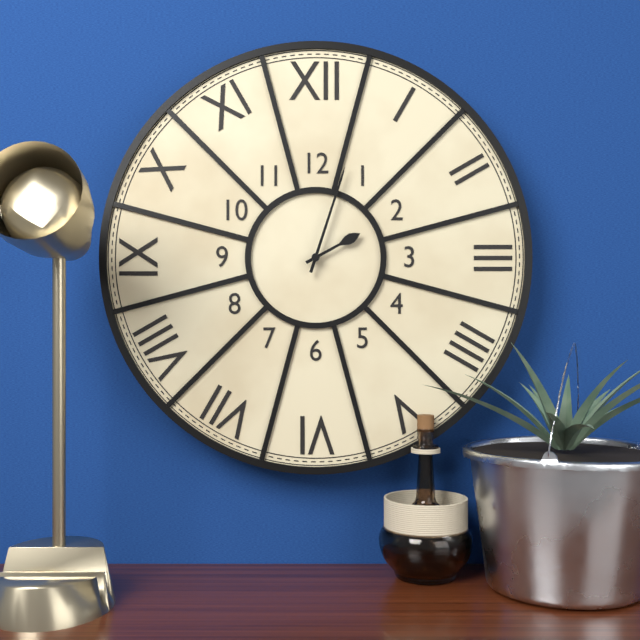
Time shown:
2,03
